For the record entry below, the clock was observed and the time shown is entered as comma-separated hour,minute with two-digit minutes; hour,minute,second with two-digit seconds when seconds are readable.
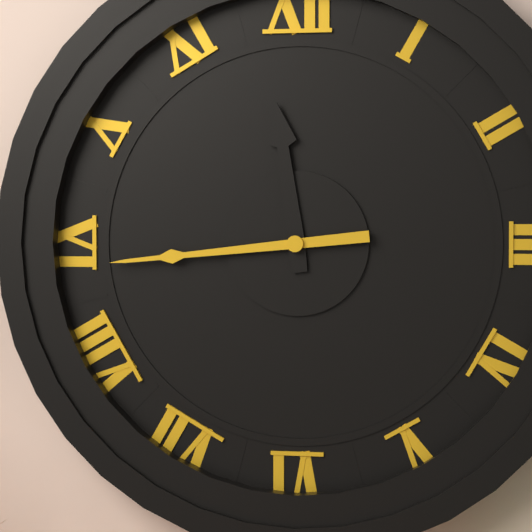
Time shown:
11,44
